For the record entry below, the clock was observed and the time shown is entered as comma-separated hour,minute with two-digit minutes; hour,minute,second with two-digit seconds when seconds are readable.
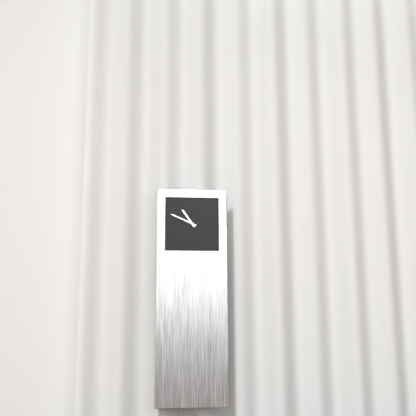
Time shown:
10,49
